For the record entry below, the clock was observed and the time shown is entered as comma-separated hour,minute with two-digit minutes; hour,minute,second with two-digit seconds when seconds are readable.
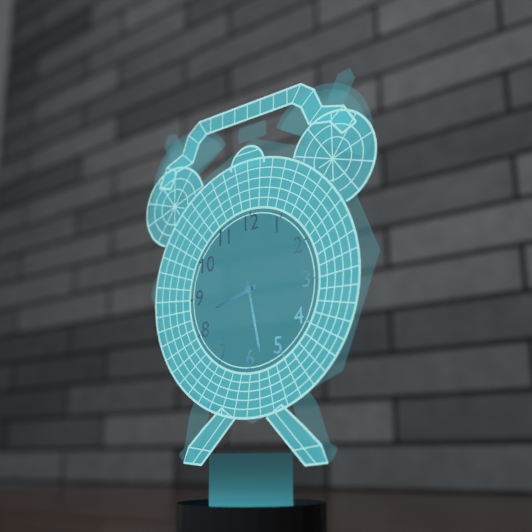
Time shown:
8,28
